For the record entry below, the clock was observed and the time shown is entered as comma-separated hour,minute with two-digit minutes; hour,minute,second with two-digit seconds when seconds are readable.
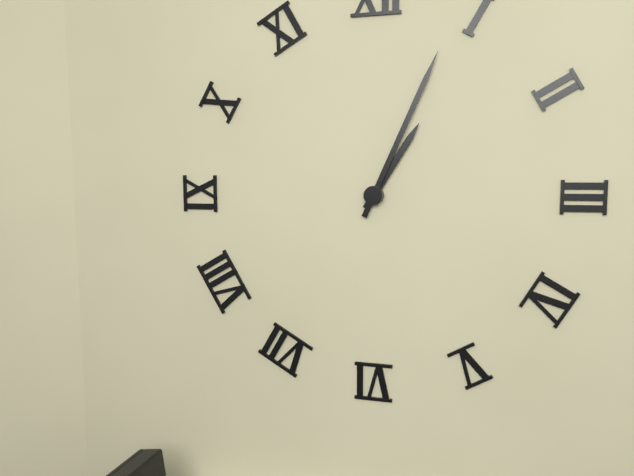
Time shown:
1,04
